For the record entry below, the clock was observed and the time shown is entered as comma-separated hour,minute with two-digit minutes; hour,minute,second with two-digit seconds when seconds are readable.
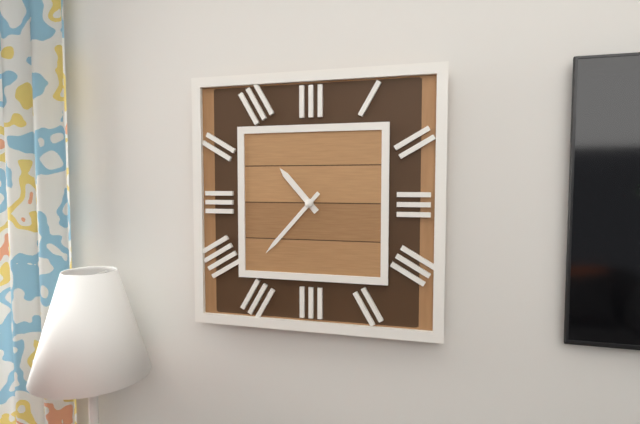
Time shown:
10,37
